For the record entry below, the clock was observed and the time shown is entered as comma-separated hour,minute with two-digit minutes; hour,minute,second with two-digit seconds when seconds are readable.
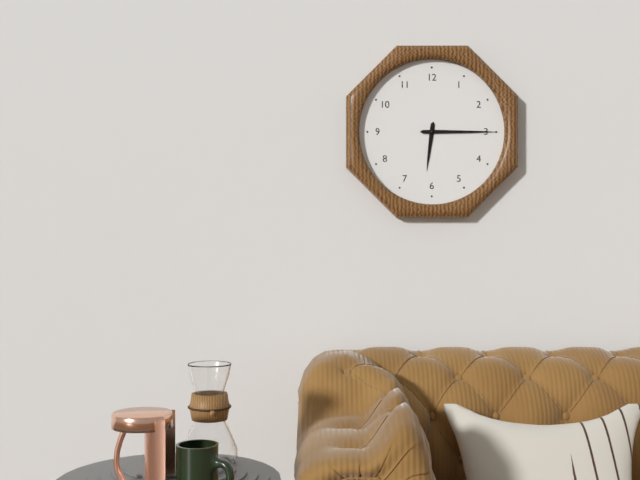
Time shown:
6,15
